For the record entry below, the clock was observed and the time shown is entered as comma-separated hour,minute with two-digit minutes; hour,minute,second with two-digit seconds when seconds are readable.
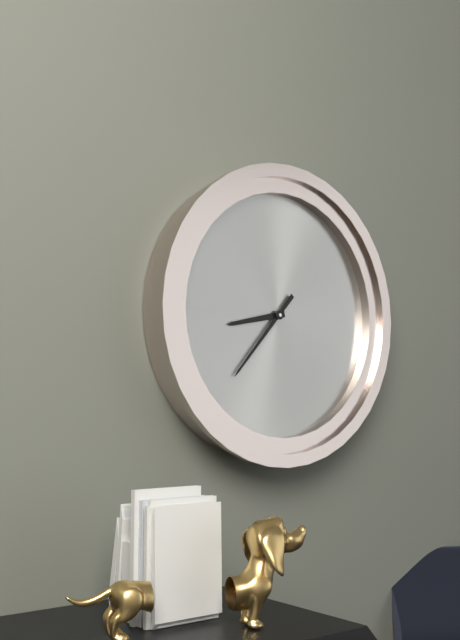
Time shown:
8,37
